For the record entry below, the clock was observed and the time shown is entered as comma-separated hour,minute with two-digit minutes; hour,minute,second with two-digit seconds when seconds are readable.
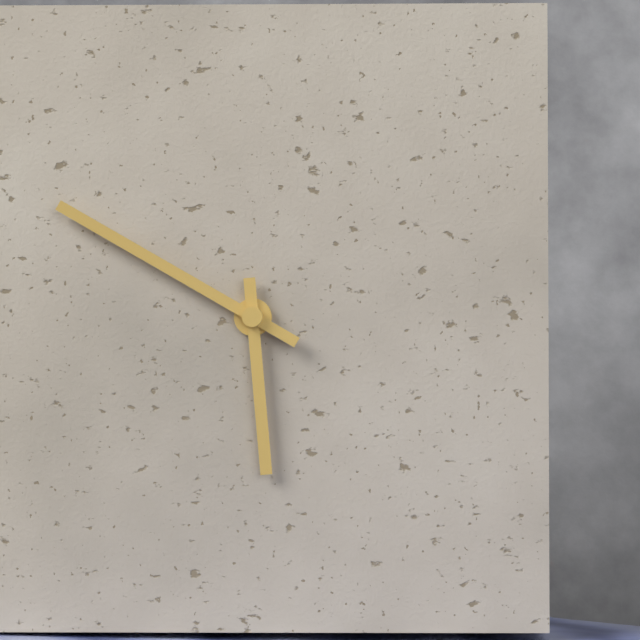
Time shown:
5,50
